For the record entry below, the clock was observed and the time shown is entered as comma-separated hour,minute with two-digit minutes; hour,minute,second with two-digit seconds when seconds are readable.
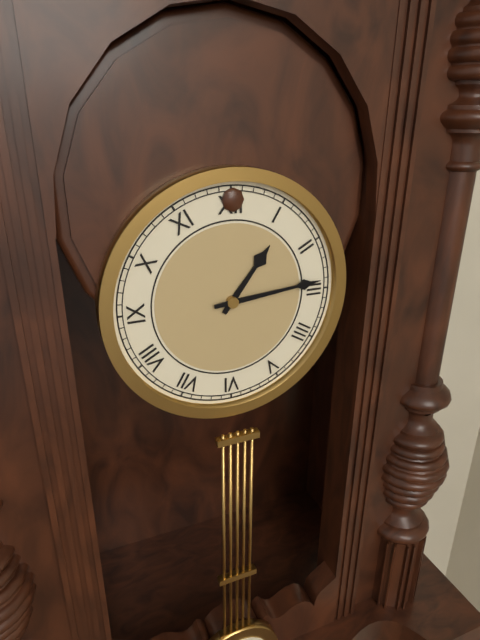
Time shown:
1,14
